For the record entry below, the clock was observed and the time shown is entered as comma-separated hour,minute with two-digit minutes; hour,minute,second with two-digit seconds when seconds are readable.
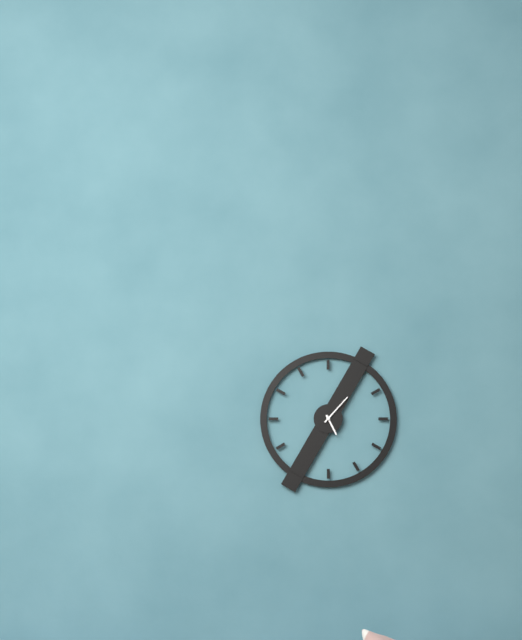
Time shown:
5,07
